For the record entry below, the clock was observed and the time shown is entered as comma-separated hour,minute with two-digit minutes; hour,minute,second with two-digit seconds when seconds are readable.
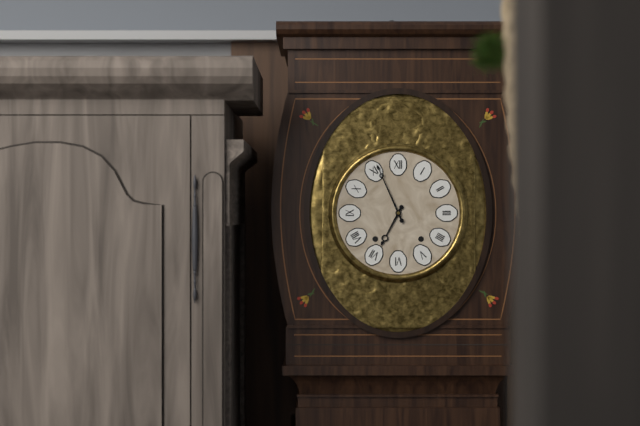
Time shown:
6,56
